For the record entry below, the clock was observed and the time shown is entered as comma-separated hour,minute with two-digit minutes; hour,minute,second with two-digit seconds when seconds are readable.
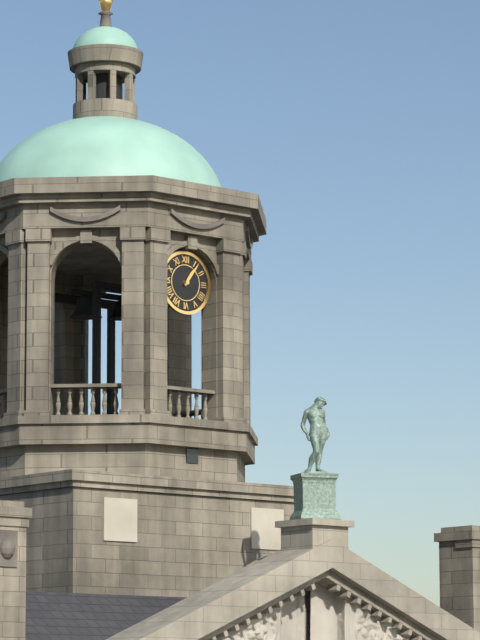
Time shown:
1,06
